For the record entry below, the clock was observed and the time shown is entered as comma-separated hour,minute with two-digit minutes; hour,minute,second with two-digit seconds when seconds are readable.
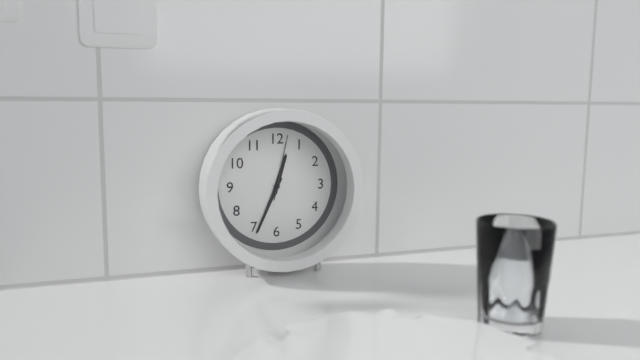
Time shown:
12,34,02
